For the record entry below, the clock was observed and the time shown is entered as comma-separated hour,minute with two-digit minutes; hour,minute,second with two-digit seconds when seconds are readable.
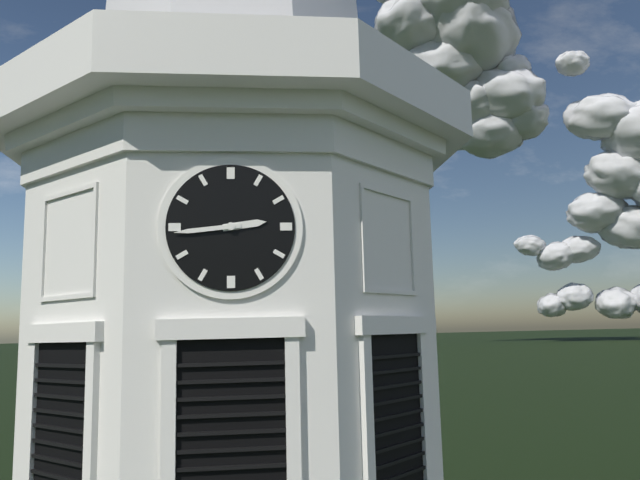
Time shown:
2,44
